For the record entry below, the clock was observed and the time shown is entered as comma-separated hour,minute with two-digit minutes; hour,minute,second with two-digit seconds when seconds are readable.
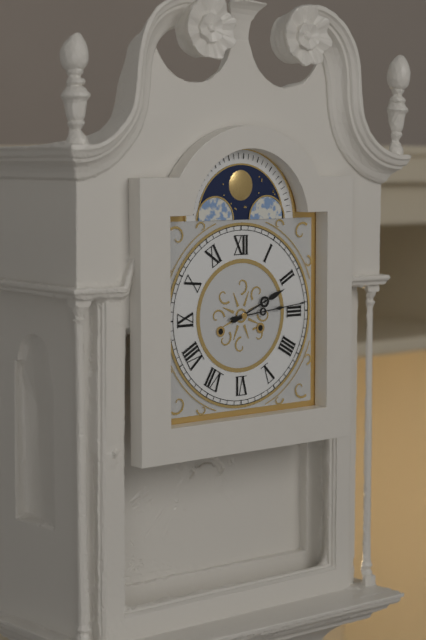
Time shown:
2,14
